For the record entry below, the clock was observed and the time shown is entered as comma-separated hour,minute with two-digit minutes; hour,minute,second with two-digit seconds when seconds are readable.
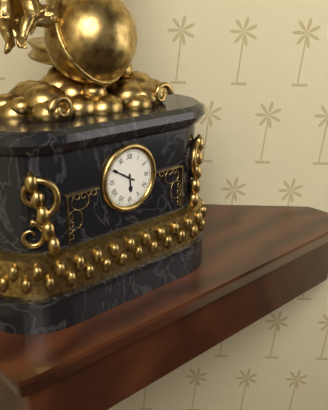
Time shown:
5,50
